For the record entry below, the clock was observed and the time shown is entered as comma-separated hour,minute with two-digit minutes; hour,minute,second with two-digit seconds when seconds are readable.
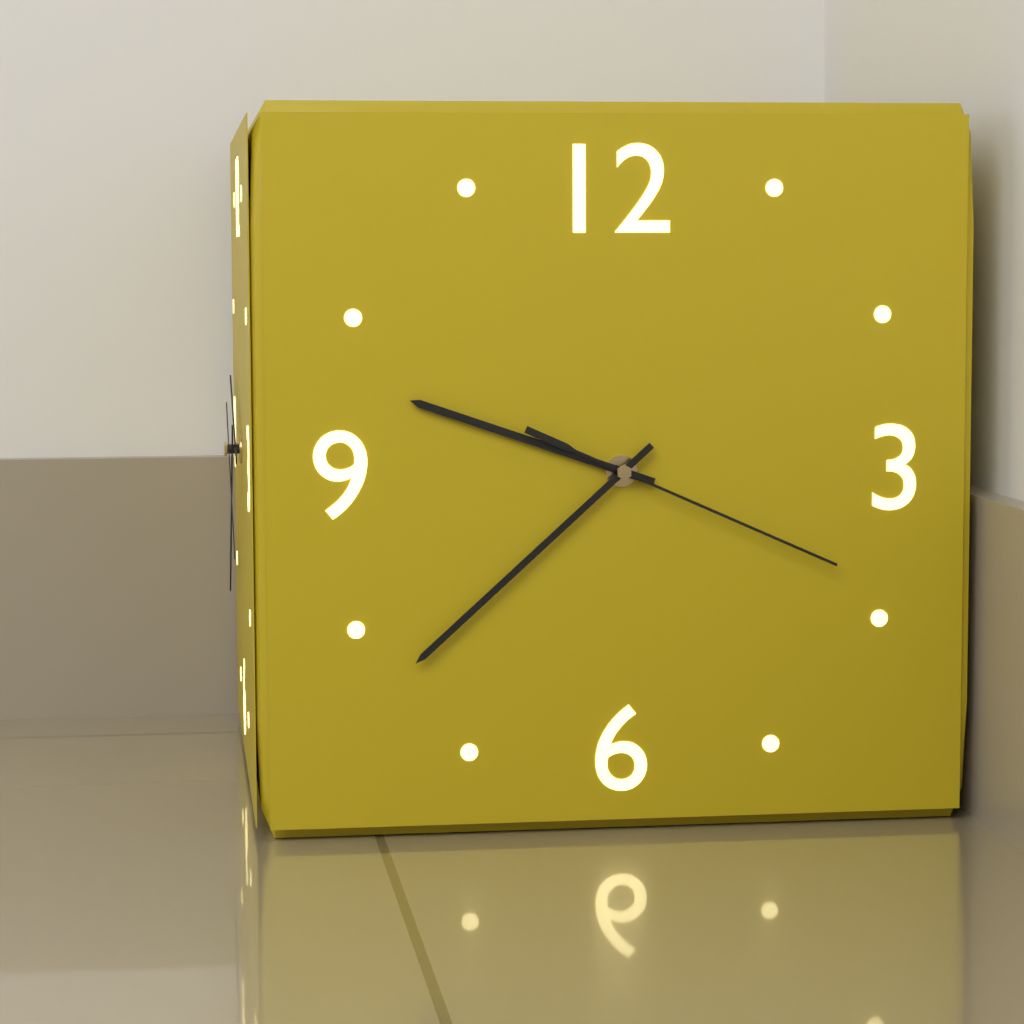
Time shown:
9,38,19
